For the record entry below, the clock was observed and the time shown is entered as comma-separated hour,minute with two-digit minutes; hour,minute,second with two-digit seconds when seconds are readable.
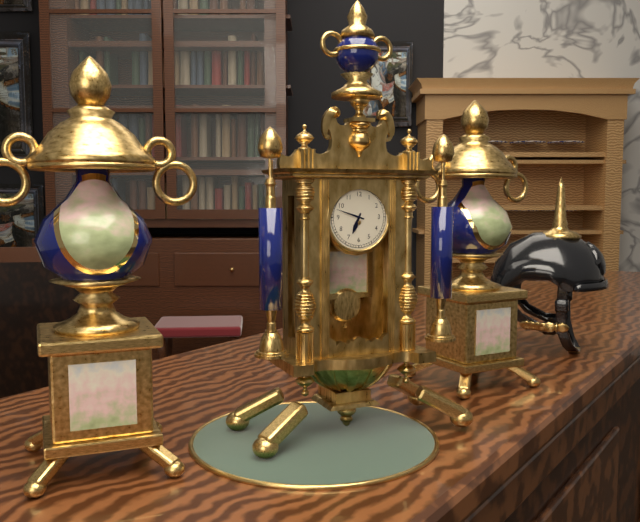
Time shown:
6,48
